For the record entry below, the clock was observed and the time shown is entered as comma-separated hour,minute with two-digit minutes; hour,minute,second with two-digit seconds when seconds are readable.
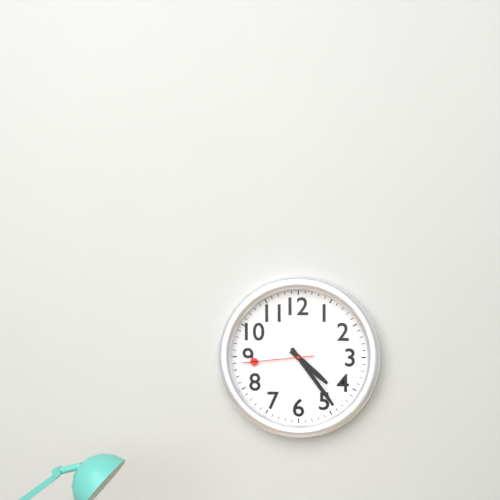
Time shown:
4,24,44
